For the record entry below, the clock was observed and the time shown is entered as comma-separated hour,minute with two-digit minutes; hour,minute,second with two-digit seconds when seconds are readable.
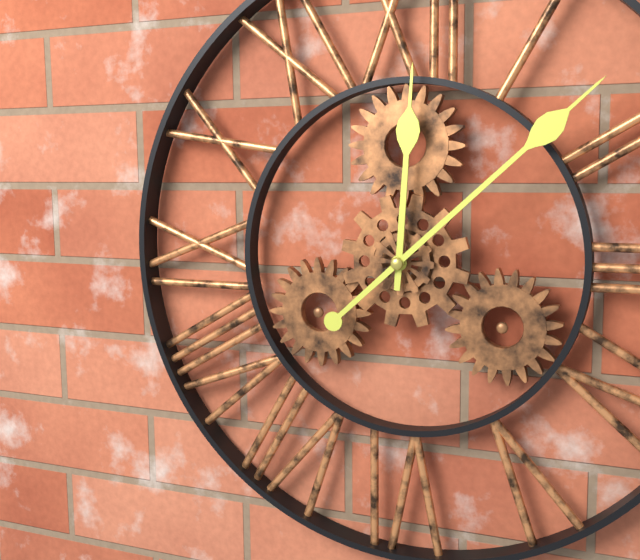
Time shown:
12,08
